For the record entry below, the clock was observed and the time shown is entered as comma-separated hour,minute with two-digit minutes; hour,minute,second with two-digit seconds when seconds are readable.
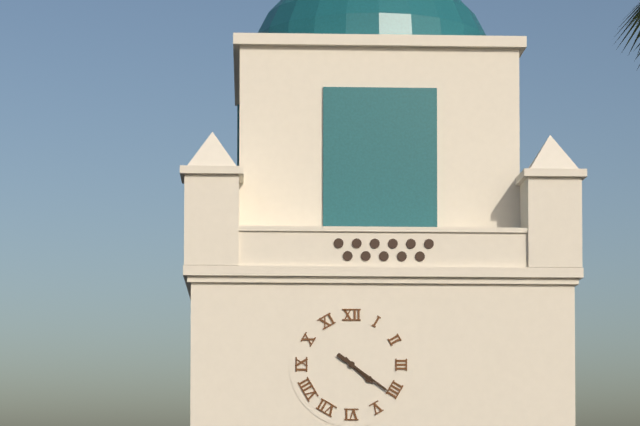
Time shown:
4,21
